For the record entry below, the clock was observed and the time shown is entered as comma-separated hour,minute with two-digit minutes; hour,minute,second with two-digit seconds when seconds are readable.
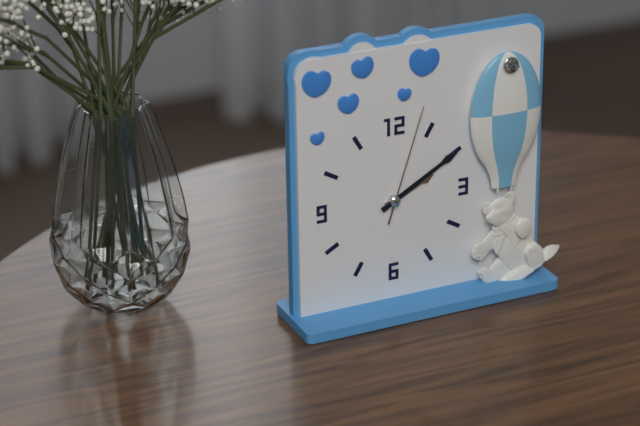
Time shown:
2,10,03
